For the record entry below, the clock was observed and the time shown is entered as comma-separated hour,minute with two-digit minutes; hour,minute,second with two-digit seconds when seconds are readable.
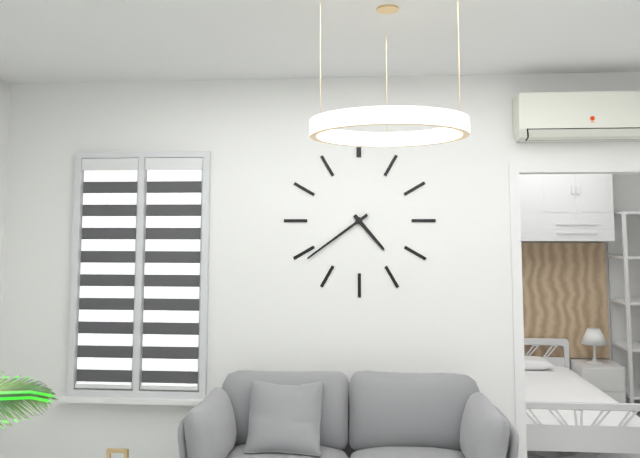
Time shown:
4,39
